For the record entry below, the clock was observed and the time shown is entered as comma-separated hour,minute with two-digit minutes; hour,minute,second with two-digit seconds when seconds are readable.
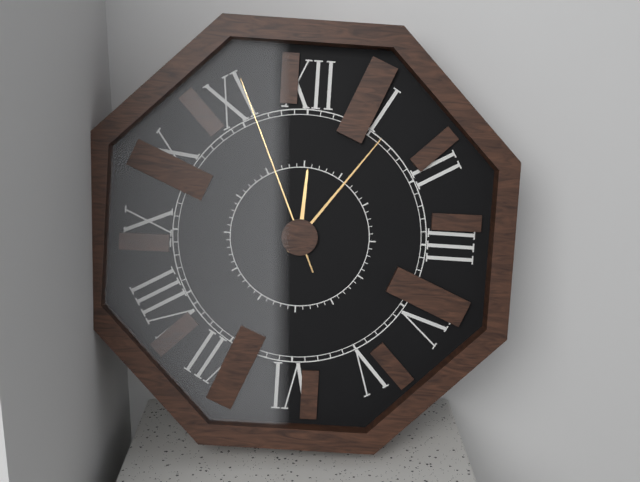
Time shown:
12,06,56
